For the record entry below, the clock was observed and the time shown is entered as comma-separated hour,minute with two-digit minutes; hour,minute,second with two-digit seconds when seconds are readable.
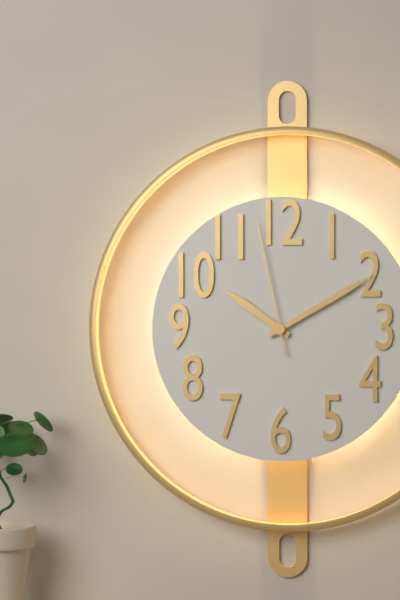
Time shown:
10,10,58
